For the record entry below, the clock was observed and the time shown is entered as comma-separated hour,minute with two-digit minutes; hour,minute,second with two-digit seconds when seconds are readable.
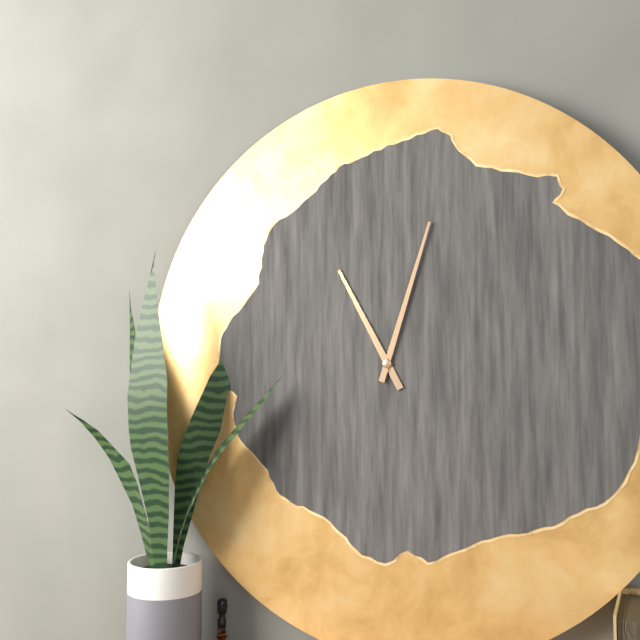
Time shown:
11,03
